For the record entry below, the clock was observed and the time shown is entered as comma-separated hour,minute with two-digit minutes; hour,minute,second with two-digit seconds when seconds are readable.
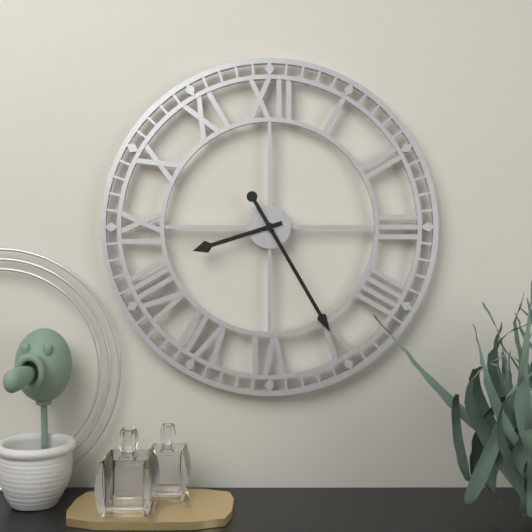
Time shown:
8,25
